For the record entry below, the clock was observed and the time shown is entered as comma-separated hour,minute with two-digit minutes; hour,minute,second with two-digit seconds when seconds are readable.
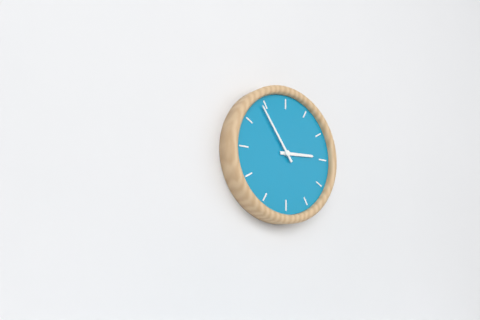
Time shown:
2,54
